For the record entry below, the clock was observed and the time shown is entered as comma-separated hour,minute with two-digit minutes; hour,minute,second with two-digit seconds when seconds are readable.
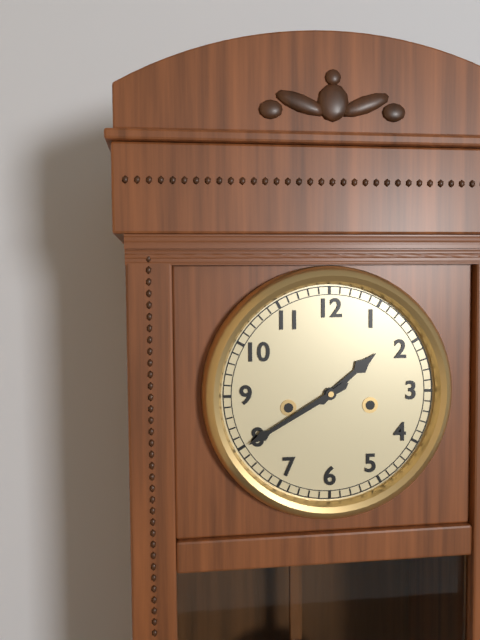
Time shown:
1,40
